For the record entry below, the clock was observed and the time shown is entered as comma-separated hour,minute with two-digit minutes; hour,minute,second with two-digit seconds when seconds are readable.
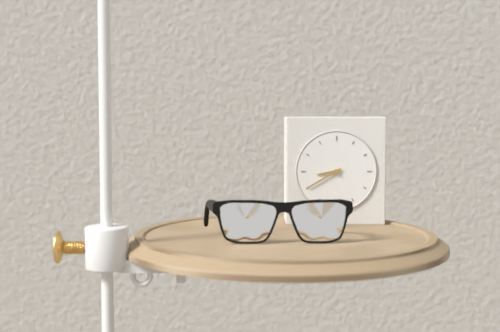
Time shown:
8,40
